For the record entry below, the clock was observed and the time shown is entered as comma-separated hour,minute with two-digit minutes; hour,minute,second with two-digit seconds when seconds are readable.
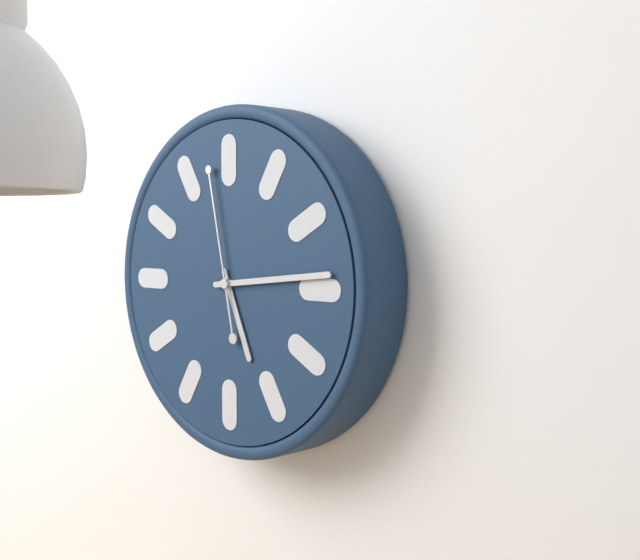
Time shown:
5,14,58
